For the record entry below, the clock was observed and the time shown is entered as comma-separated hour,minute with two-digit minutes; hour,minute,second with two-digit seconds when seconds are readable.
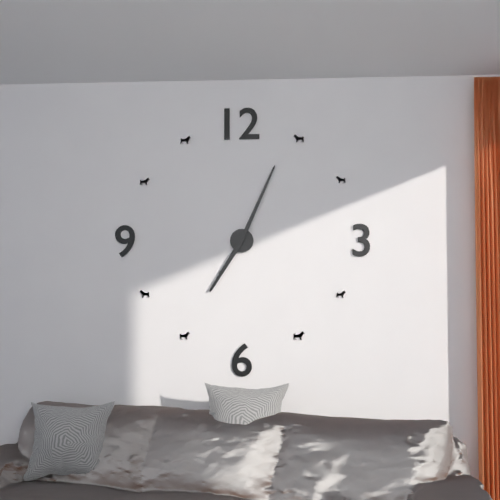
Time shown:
7,04
